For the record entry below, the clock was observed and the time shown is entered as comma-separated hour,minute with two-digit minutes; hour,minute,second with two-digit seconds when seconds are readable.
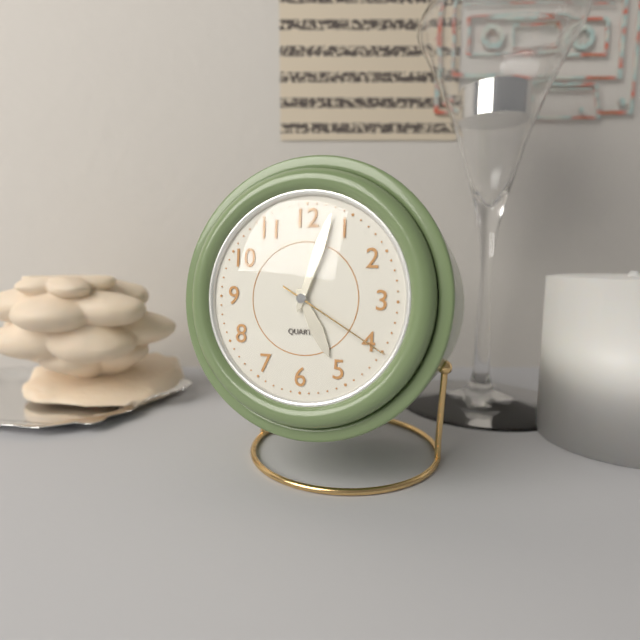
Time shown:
5,03,20
